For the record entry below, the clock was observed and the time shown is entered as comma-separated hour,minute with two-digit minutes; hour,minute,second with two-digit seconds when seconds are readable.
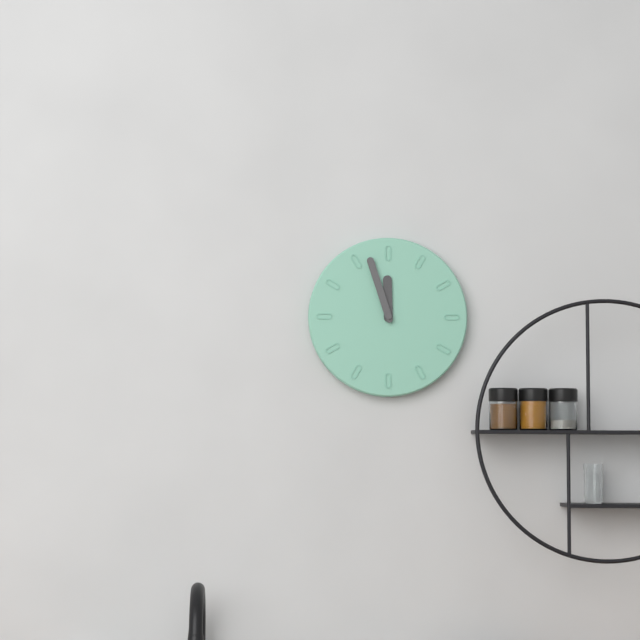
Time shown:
11,57
